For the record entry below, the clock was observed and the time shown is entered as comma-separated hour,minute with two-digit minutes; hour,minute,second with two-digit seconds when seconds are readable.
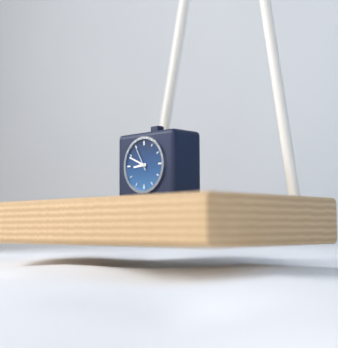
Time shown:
8,49
